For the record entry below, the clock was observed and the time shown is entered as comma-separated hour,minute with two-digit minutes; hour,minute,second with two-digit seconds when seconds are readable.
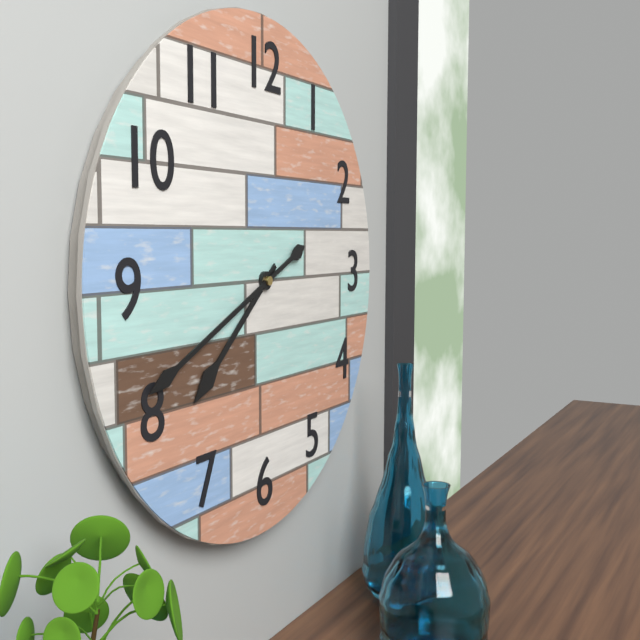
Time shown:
7,41
